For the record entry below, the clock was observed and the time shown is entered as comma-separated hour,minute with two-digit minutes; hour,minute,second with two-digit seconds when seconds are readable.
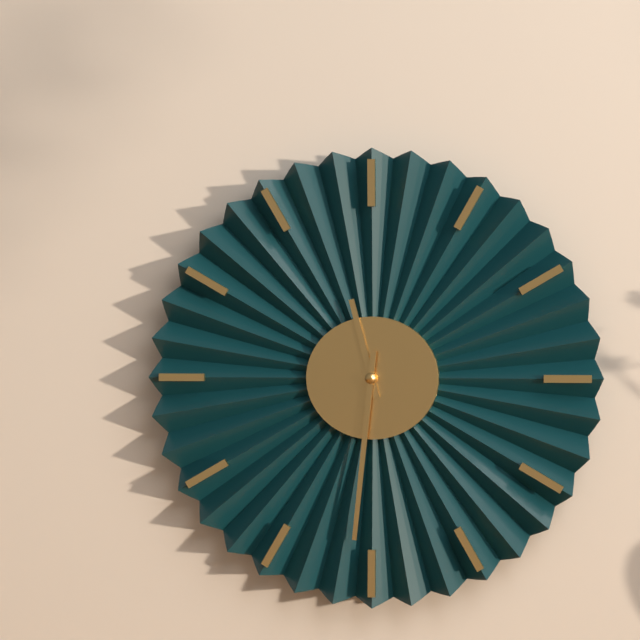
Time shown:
11,31
